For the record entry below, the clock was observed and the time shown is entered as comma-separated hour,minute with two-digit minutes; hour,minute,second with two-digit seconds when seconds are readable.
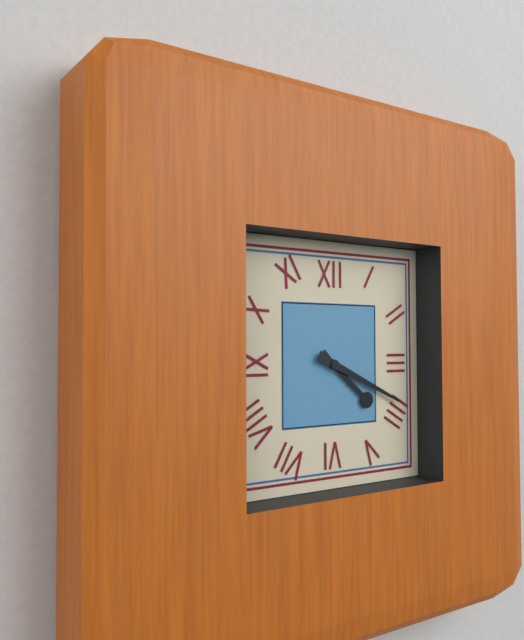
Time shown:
4,19
